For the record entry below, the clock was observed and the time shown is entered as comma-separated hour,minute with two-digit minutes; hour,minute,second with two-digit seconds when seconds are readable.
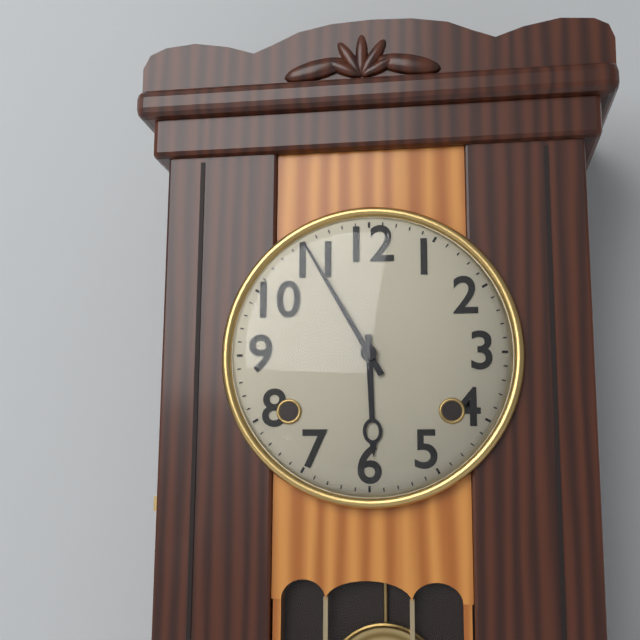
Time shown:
5,55
